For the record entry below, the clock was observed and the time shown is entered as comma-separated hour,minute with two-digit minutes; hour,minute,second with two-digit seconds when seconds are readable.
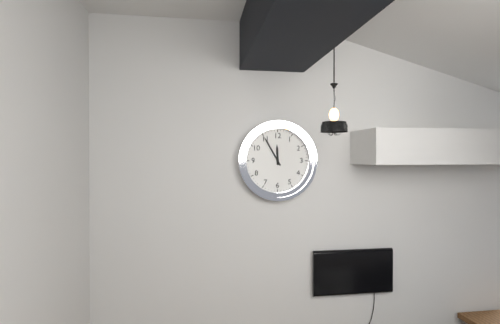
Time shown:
11,55
